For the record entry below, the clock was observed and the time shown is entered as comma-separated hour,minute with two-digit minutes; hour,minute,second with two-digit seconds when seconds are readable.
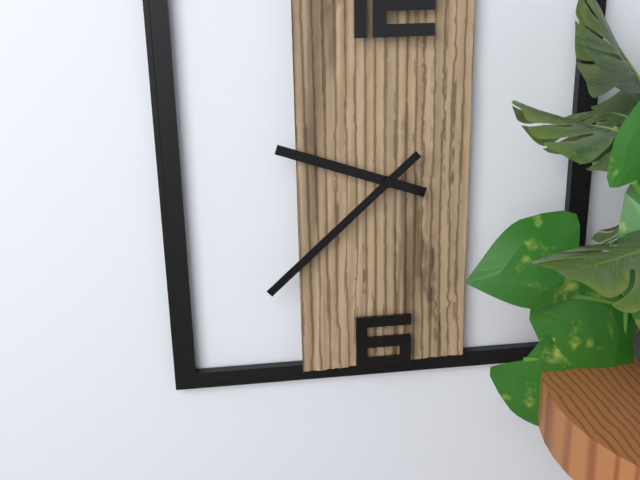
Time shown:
9,38
